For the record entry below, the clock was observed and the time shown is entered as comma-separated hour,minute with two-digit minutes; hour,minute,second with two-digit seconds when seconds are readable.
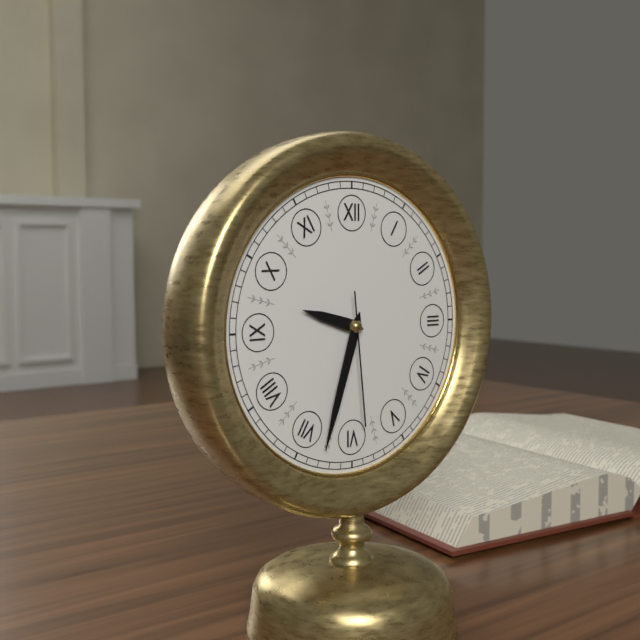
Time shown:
9,33,29
